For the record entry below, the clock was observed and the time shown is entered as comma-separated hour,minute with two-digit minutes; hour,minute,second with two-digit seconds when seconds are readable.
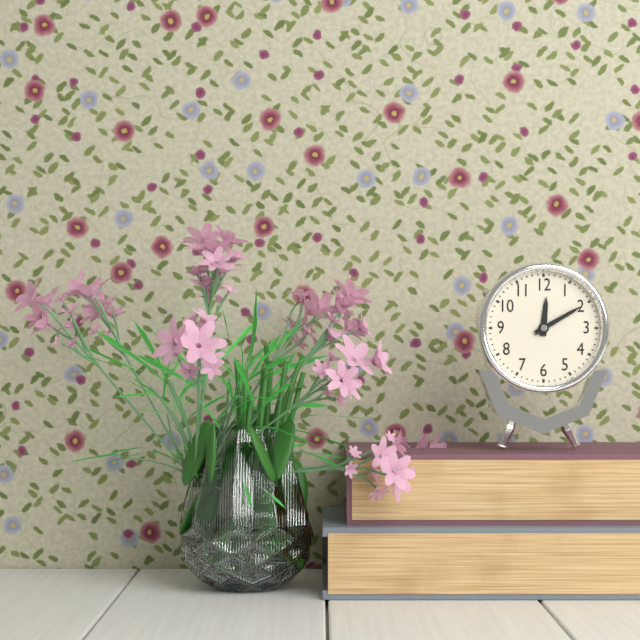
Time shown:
12,10
